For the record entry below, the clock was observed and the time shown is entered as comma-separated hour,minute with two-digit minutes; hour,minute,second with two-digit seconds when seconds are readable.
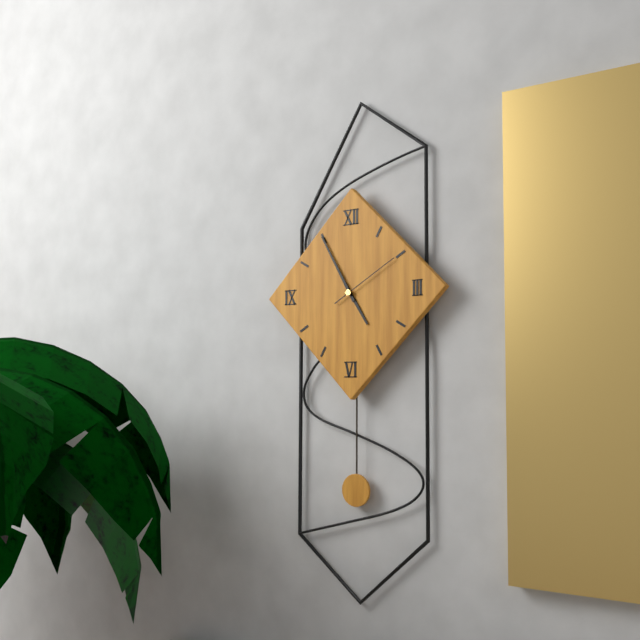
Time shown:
4,55,10
